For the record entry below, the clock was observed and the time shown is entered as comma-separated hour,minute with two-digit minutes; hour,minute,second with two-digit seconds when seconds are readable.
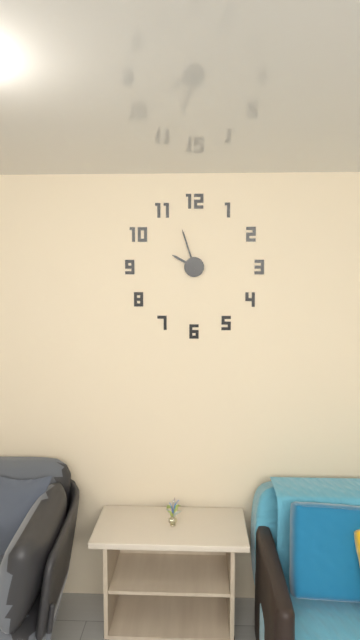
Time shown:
9,57
